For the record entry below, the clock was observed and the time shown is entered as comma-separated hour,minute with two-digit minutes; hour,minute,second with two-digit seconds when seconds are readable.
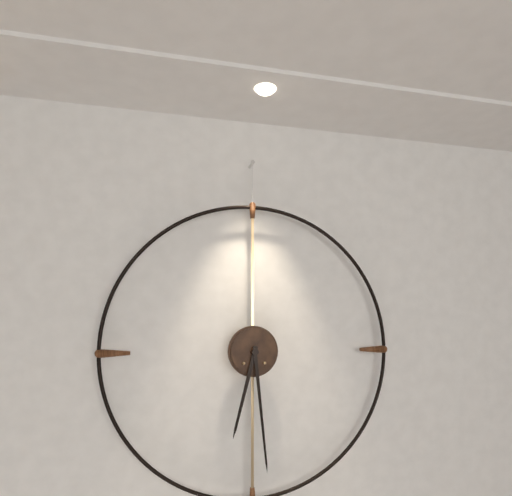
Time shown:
6,29
